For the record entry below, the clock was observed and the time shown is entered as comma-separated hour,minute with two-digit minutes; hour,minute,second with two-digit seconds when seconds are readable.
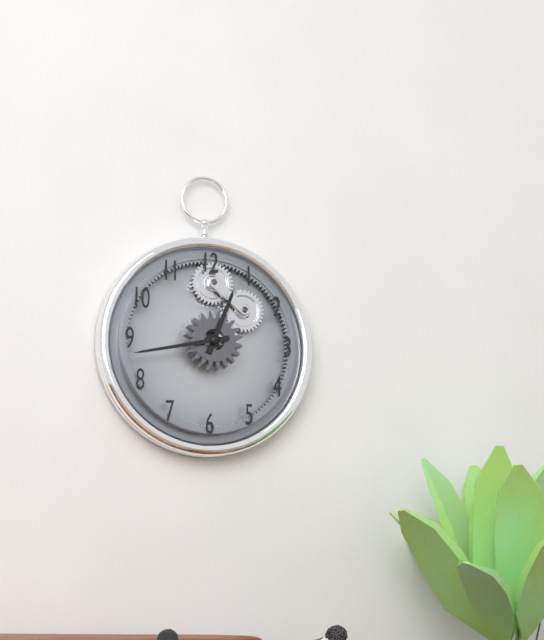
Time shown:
12,43
